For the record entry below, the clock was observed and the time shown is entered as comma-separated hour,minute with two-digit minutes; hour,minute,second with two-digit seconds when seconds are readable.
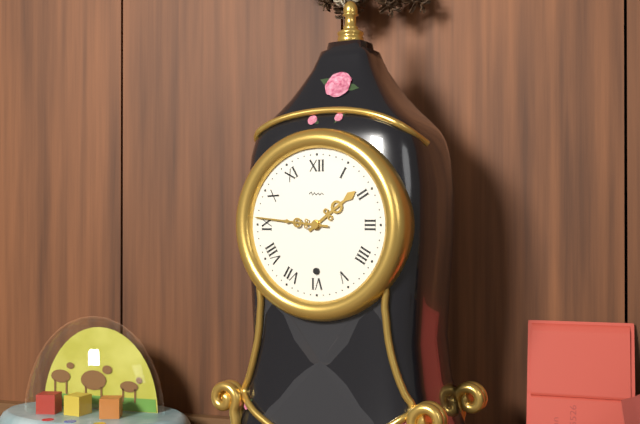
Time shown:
1,46
